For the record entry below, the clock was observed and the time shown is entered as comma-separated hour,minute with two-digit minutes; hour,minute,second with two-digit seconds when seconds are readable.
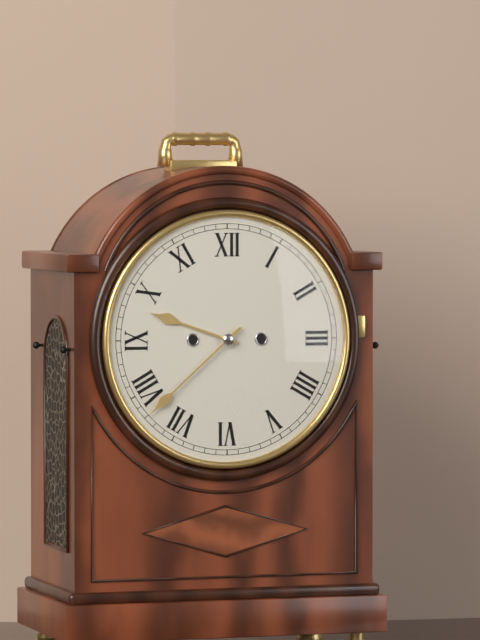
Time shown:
9,38
